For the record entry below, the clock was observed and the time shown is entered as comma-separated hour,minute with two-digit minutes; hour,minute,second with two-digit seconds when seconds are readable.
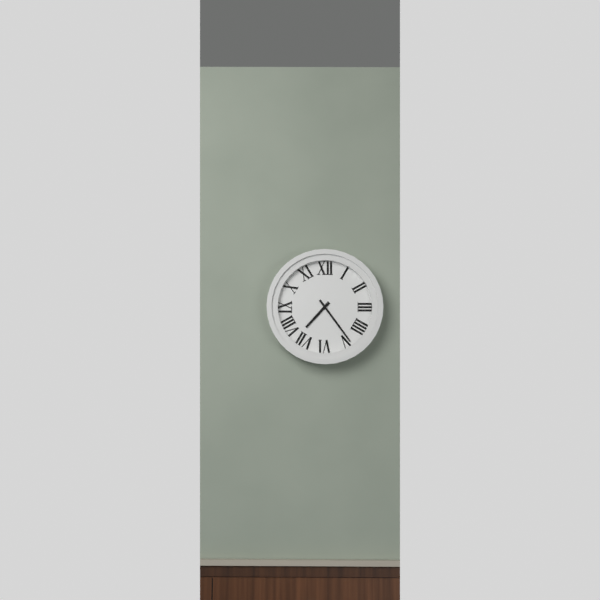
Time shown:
7,24
